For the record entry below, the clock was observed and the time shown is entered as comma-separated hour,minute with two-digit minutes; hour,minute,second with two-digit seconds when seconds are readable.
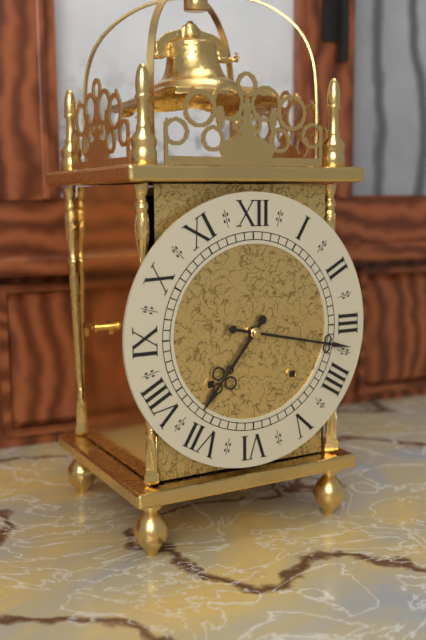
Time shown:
7,17
